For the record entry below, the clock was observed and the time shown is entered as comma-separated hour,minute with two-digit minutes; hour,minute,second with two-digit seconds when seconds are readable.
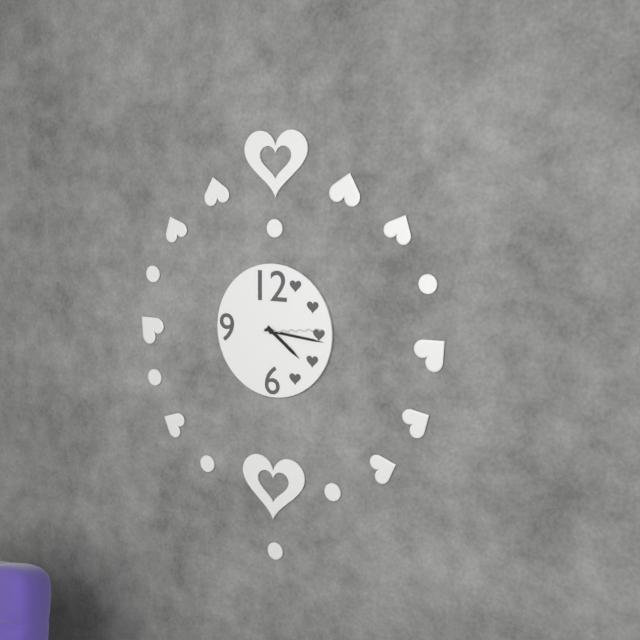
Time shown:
4,16,14
